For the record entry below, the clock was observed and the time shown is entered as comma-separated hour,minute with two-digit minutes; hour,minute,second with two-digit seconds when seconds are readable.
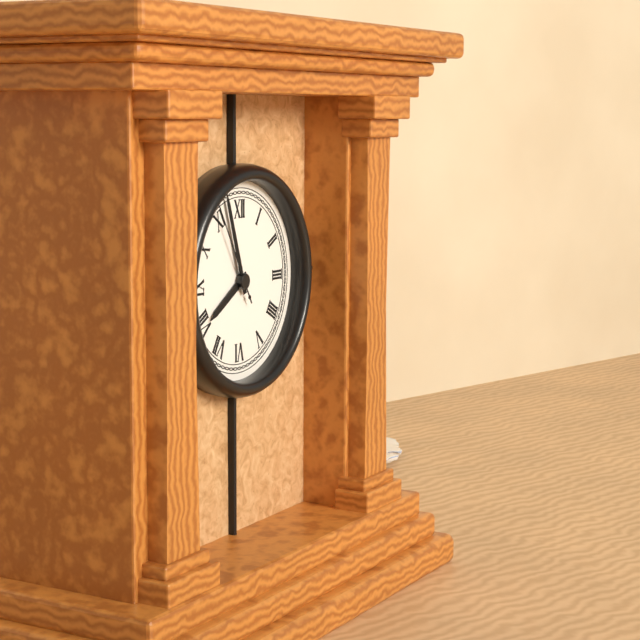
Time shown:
7,57,55
